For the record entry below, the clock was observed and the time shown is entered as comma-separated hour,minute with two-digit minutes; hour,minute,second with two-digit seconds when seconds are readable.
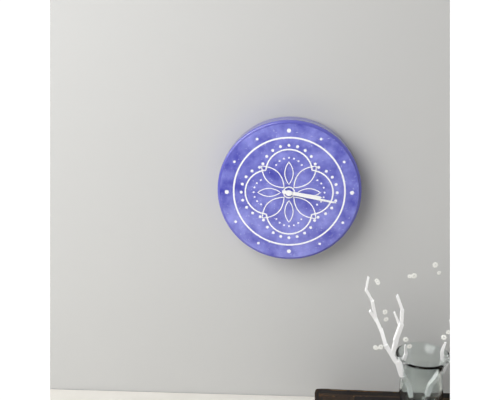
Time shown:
3,17
